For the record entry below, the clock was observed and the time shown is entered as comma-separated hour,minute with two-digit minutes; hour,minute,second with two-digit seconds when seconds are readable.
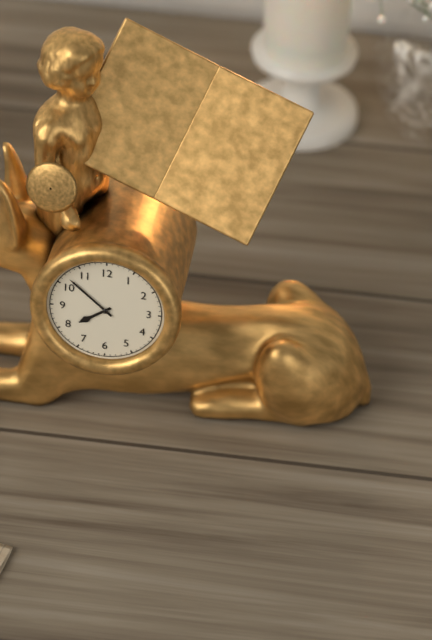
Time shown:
7,52
